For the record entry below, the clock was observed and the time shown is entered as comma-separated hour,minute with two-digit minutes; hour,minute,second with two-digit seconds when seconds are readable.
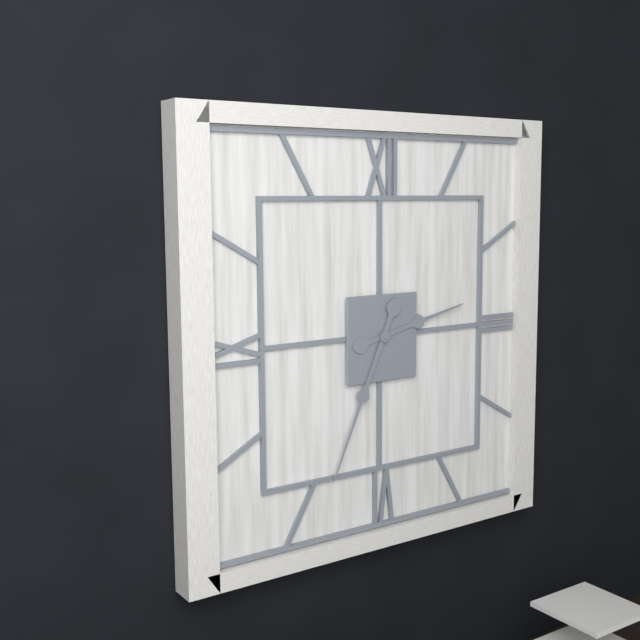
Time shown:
2,34
